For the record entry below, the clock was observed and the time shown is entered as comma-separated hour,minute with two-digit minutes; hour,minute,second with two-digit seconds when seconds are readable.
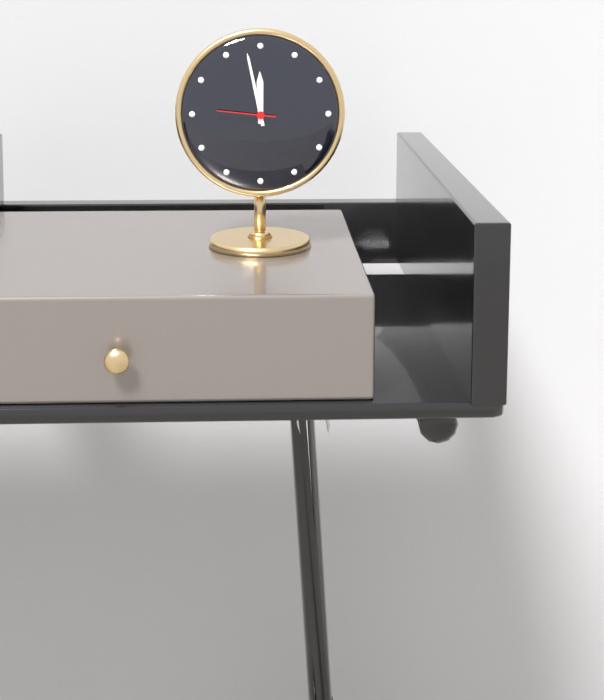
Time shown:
11,58,46
